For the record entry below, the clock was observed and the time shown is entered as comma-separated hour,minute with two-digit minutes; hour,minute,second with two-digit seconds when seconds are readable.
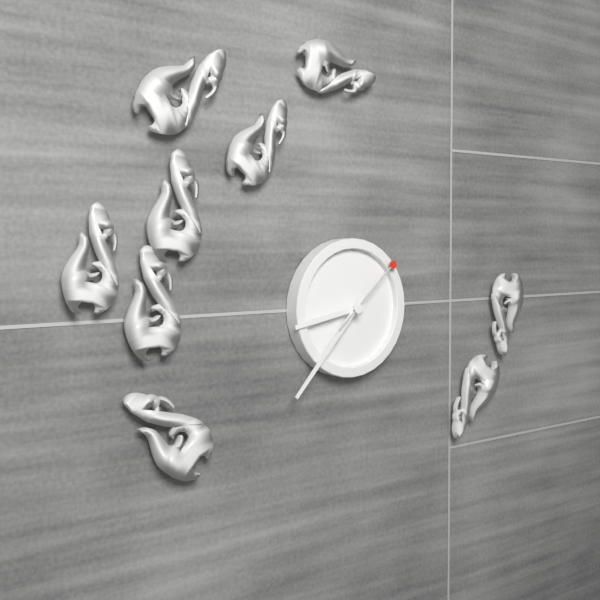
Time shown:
8,37,08
